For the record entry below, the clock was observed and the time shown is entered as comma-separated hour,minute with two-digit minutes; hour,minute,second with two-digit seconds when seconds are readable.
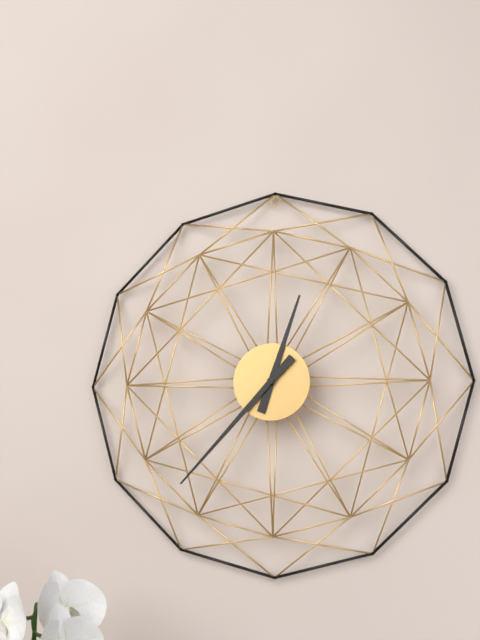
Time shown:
12,37
